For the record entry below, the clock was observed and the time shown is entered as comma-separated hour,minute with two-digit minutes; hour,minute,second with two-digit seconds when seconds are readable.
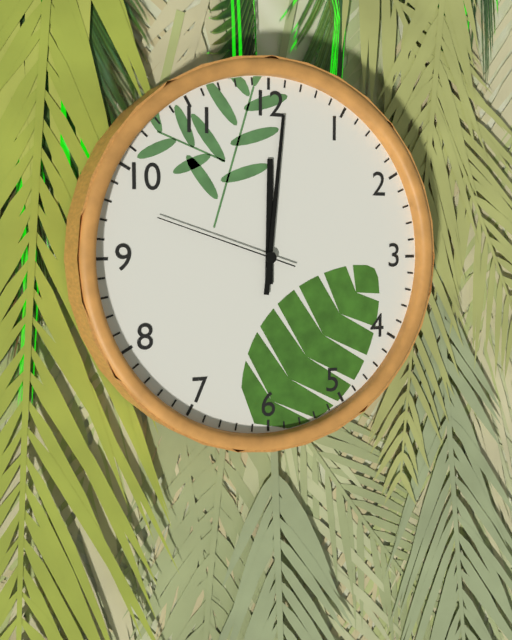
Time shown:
12,01,48
